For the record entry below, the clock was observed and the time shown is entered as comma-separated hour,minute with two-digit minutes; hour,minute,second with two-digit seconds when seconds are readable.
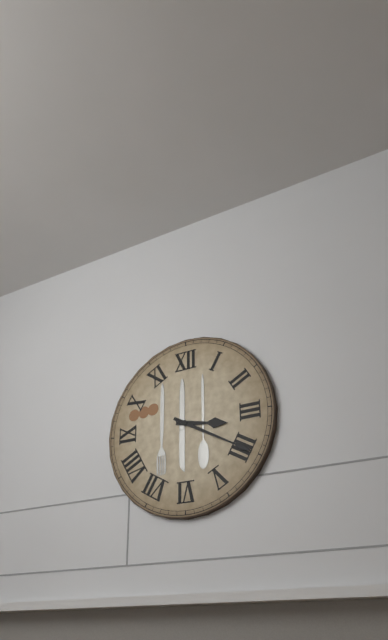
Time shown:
3,20
